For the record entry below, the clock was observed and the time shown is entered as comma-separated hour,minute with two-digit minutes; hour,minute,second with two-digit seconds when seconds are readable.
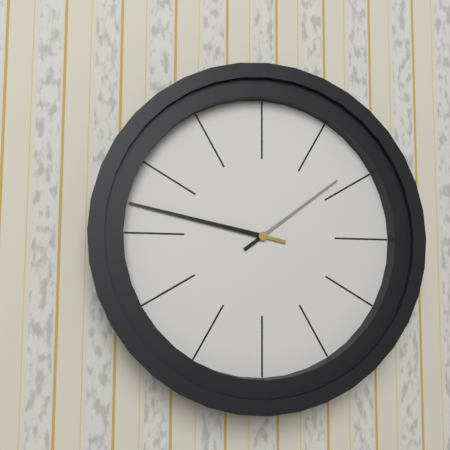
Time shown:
1,47
